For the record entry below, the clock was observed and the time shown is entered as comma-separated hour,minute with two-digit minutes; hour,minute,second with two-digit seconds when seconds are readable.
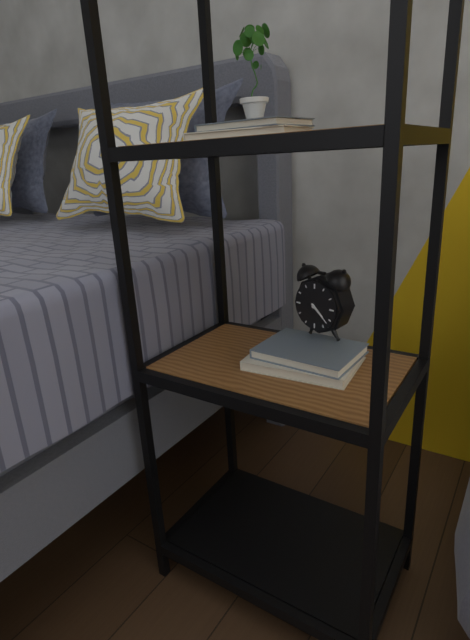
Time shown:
4,22
